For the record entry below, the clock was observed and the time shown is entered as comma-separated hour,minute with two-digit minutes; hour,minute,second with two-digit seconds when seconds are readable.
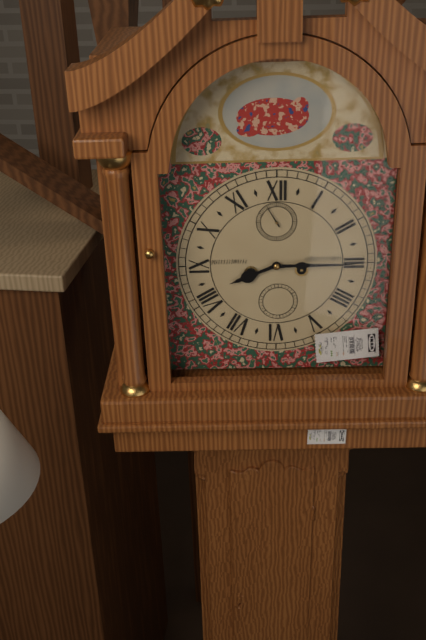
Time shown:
8,15
